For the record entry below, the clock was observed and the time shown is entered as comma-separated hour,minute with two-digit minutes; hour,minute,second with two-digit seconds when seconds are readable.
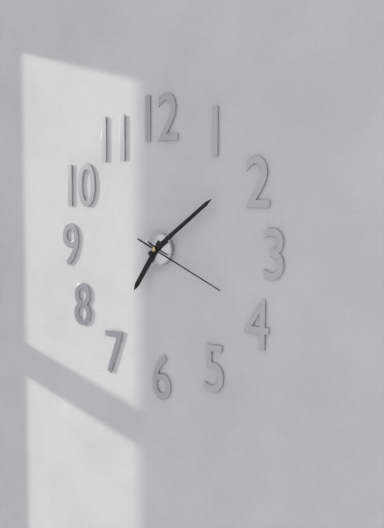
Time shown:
7,09,19
